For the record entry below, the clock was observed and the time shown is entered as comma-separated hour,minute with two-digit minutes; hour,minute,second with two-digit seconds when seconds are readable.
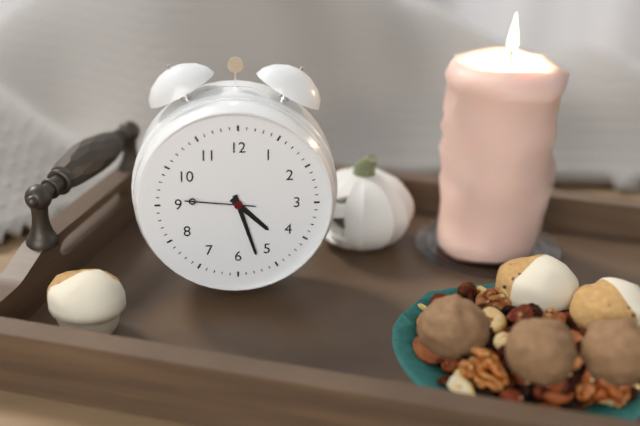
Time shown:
4,27,46
